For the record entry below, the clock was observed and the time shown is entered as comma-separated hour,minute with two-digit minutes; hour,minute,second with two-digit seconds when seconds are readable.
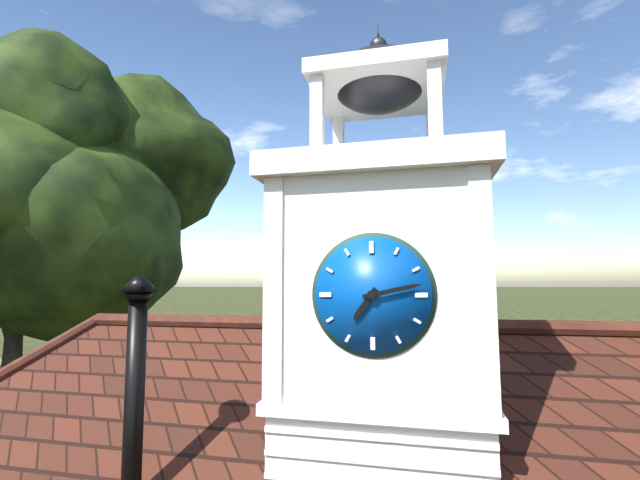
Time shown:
7,13
